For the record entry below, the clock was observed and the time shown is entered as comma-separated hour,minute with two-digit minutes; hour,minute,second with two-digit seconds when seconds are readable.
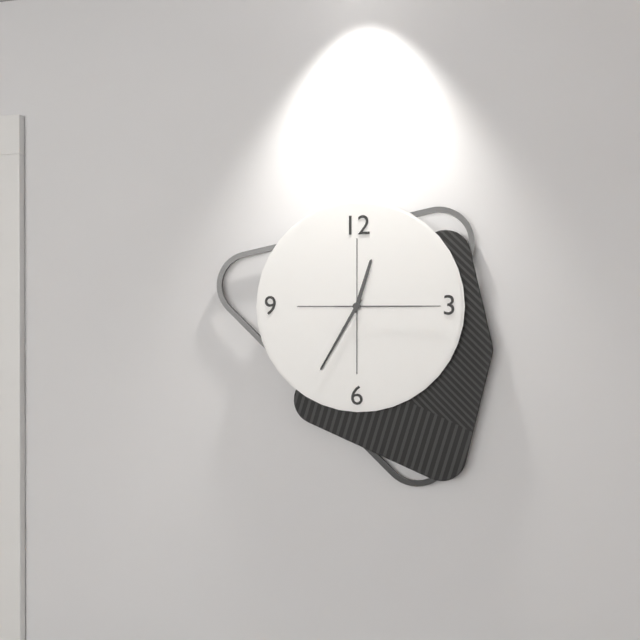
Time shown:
12,35,15
